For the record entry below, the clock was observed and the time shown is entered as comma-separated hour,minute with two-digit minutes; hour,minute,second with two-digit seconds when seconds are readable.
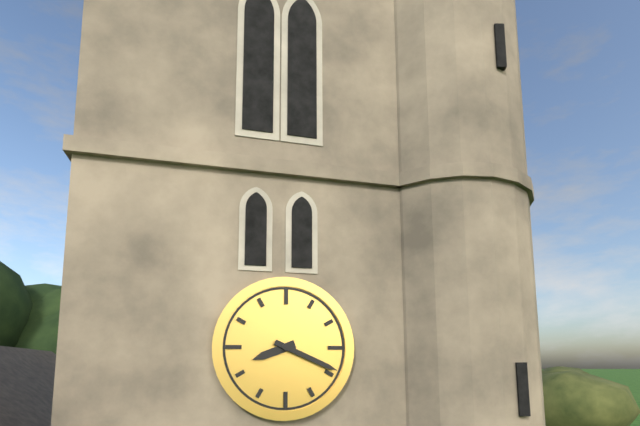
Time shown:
8,19
